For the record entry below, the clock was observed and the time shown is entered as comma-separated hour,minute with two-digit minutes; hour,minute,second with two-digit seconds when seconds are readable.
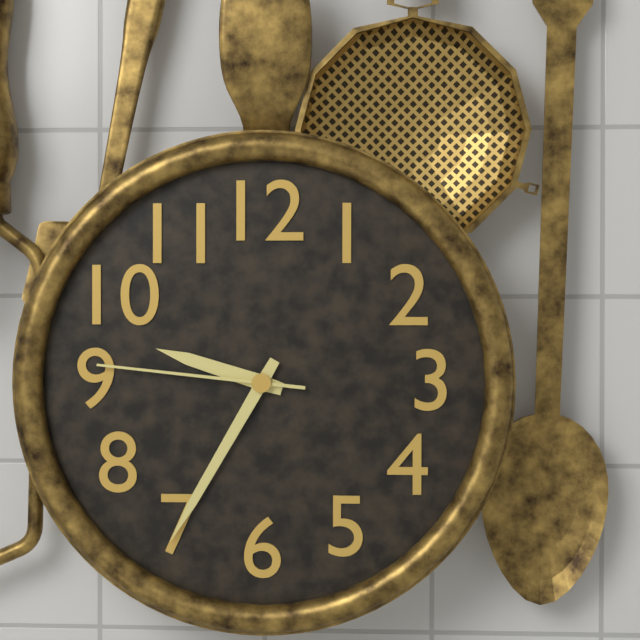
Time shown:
9,35,46
